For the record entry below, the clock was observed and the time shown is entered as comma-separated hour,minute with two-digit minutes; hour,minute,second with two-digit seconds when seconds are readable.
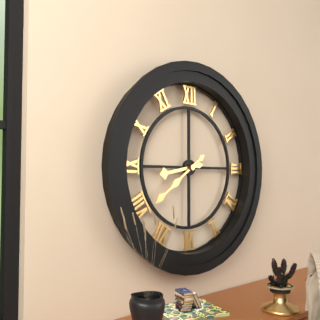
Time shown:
8,39
